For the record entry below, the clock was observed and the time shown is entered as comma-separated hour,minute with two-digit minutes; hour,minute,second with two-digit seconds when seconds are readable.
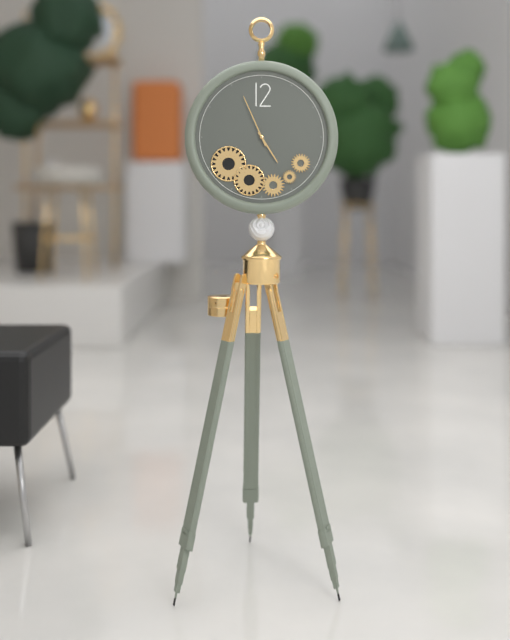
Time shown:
4,56
